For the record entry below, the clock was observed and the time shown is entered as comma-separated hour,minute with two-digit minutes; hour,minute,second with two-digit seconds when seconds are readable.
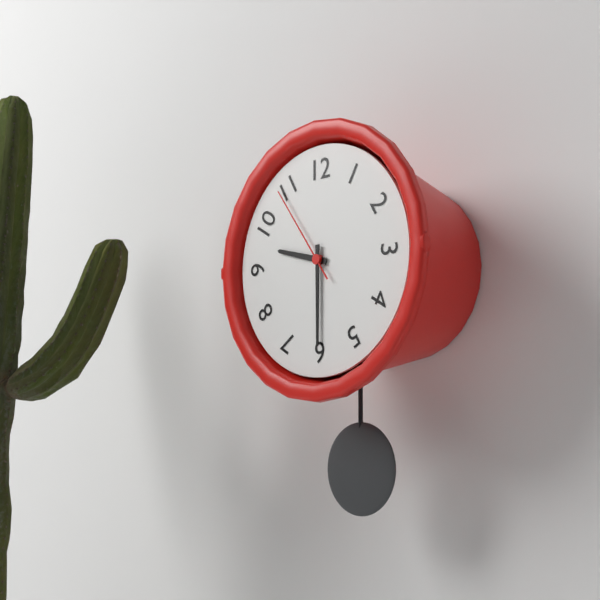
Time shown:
9,30,54
